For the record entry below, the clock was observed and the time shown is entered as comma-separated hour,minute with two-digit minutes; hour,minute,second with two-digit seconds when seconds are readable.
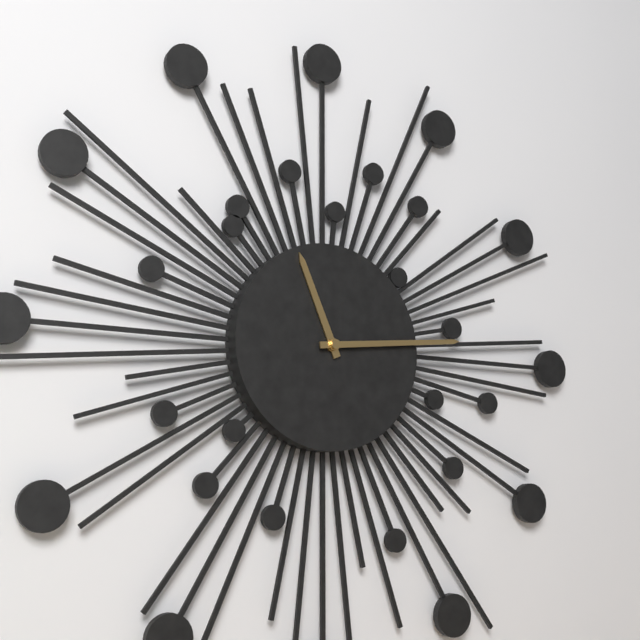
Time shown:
11,14
